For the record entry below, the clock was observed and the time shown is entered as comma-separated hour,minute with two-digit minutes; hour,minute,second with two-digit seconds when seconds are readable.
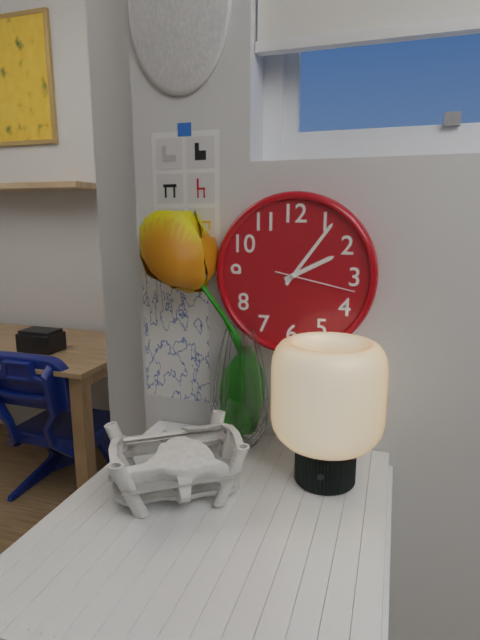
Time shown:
2,06,17
